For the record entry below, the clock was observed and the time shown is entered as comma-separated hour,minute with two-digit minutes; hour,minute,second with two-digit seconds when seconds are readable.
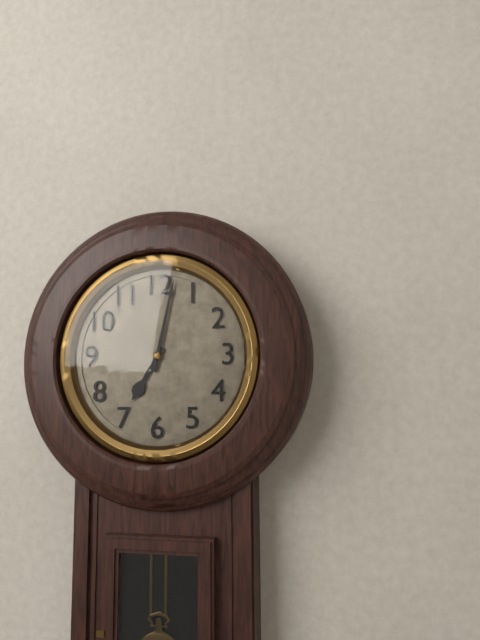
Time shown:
7,02
